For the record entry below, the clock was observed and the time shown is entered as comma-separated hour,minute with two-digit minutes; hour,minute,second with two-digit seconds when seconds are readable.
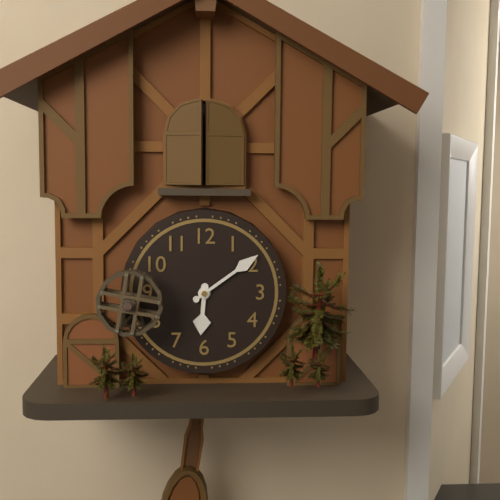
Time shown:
6,09
